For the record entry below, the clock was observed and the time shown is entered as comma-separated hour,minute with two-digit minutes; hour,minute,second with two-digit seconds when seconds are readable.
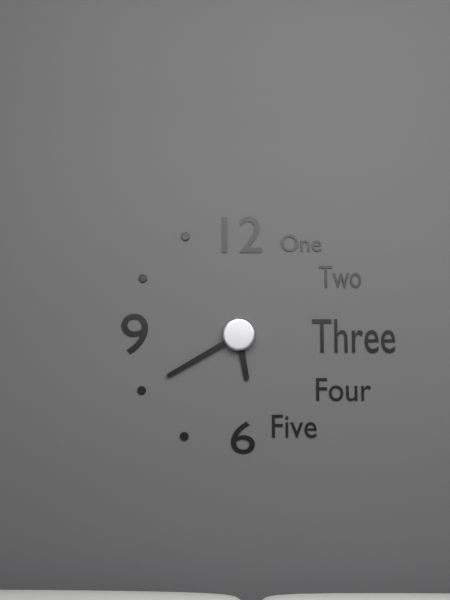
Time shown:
5,40
